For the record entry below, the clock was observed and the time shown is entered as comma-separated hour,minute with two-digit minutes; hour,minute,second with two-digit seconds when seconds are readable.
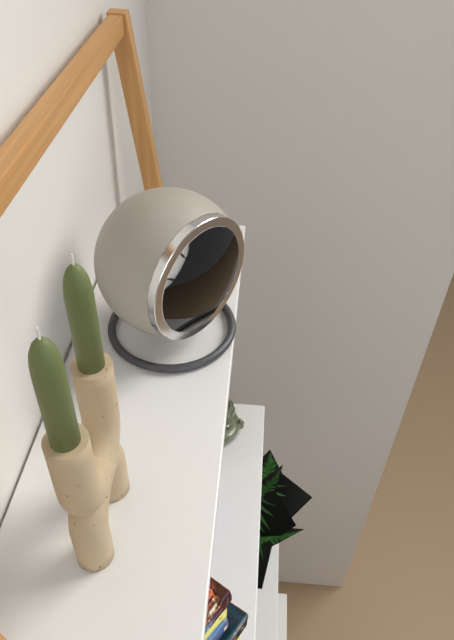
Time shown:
1,50
